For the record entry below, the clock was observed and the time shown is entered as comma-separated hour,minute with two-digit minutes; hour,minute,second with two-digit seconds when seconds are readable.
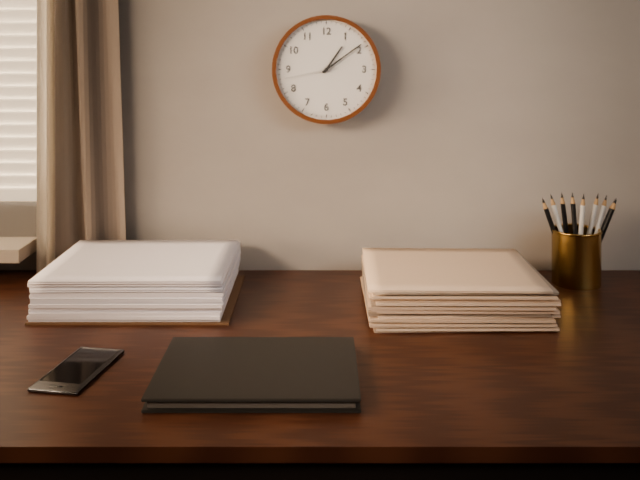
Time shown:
1,09,43
